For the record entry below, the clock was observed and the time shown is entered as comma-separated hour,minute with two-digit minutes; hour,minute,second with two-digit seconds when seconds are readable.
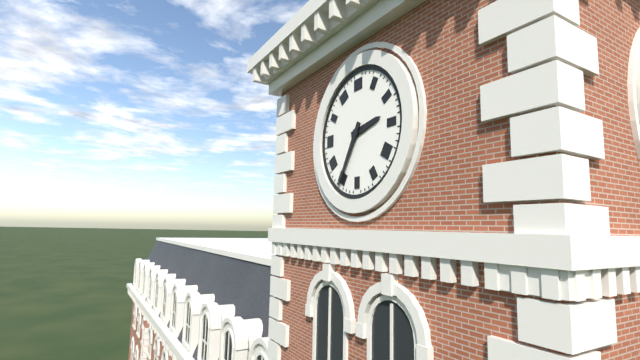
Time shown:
2,35
